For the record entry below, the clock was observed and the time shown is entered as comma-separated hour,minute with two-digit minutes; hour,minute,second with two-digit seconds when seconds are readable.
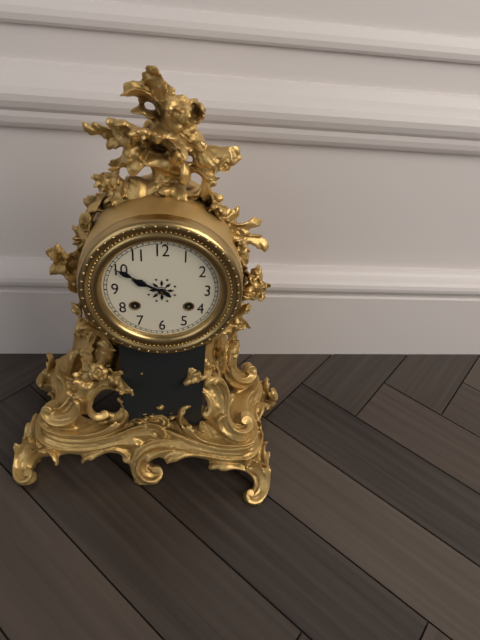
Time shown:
9,50
